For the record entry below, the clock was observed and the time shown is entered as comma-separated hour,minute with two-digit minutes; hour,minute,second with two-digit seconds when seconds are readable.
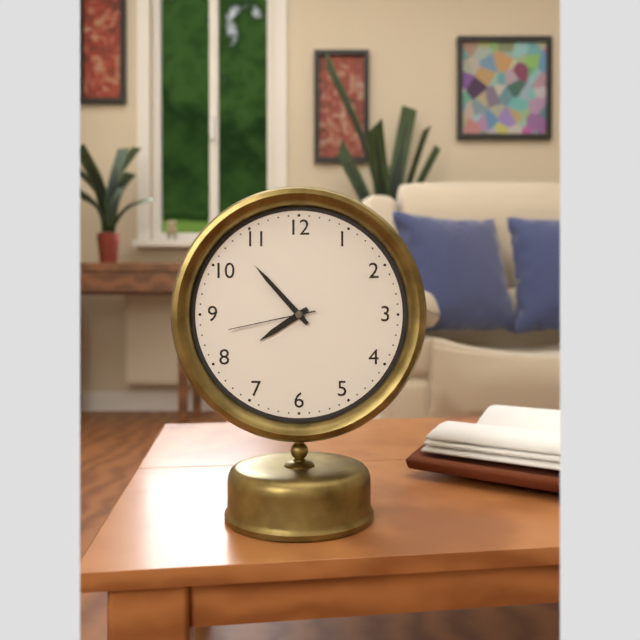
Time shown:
7,53,43
